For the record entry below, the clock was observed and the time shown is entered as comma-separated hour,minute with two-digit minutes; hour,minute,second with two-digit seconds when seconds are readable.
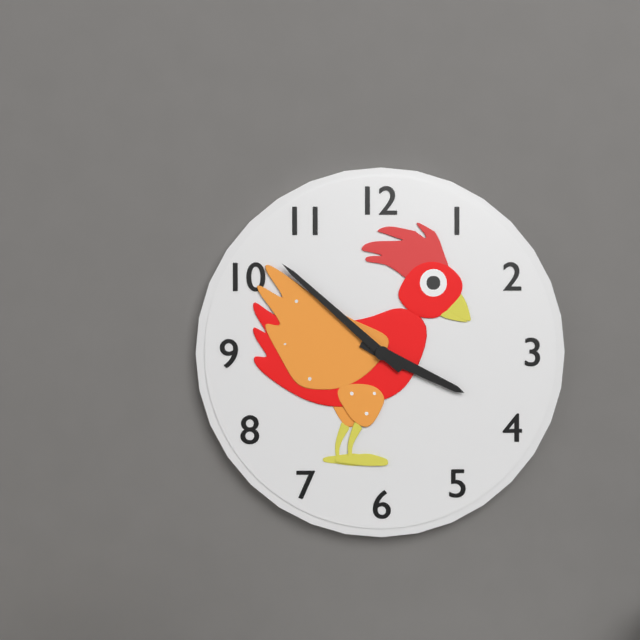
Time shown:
3,52
